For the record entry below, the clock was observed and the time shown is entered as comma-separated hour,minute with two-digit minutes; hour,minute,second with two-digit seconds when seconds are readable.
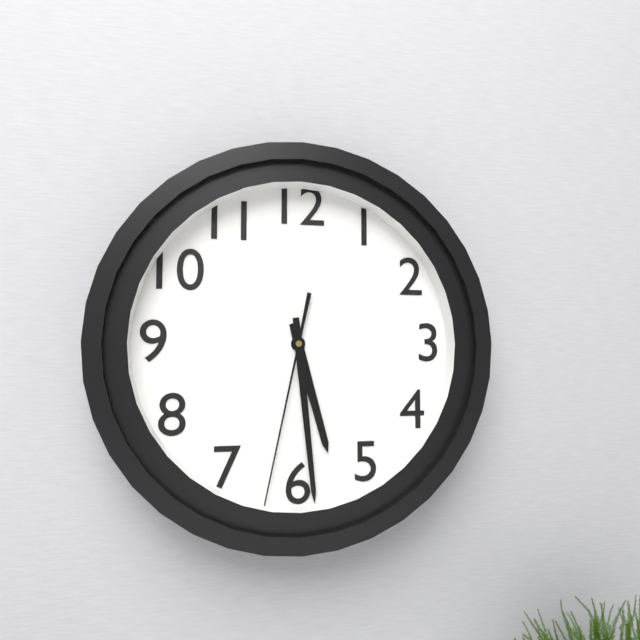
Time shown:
5,29,32
